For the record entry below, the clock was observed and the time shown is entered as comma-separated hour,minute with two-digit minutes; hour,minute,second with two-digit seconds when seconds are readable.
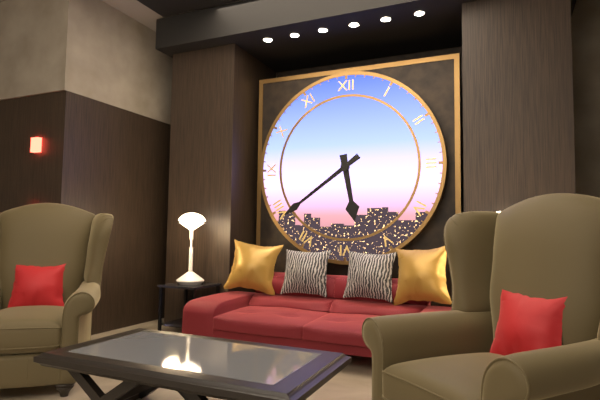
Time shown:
5,39
